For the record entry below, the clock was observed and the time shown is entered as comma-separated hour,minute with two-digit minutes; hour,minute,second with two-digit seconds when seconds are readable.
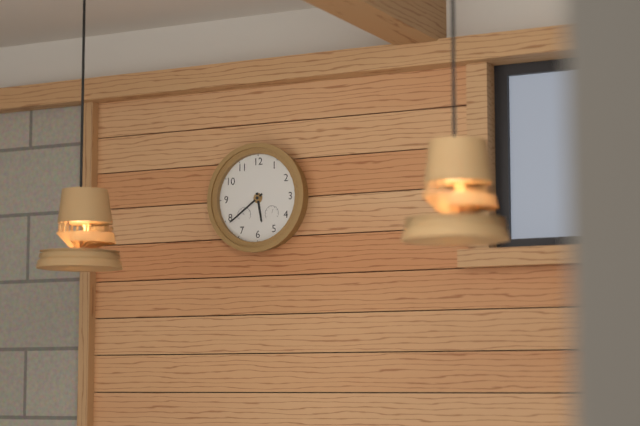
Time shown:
5,39
